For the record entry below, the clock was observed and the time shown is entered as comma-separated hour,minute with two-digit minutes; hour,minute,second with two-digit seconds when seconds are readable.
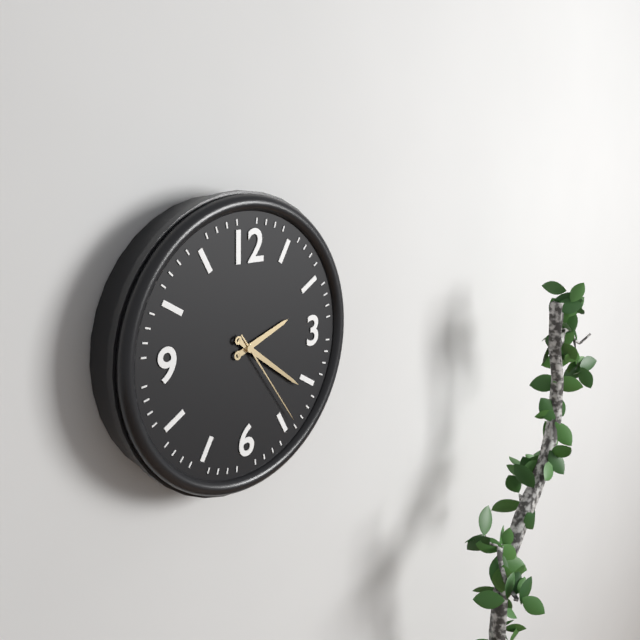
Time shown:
2,21,24
